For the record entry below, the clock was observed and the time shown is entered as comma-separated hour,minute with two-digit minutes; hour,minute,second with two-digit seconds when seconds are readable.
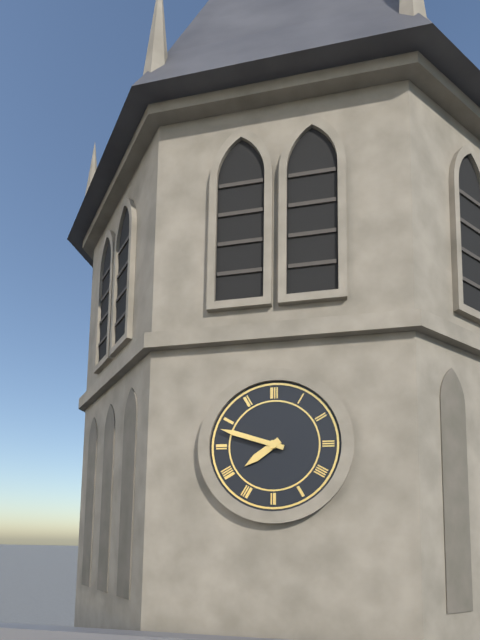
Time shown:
7,48
